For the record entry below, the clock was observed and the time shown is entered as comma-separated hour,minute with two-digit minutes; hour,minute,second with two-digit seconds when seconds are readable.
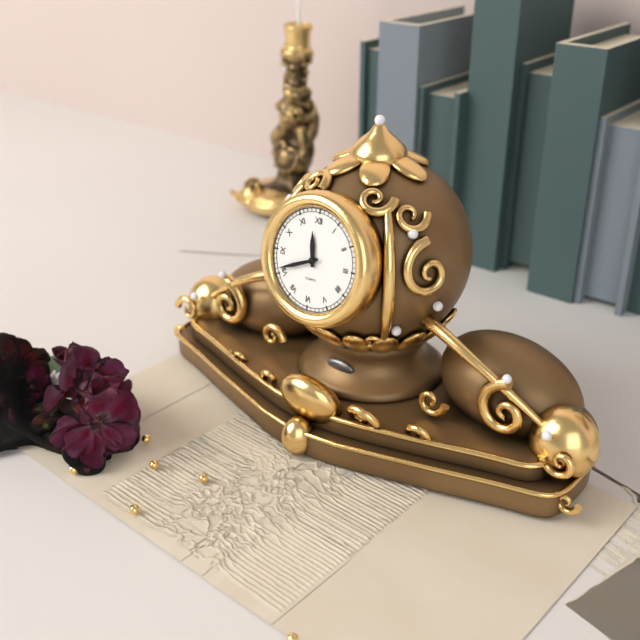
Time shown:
11,41
